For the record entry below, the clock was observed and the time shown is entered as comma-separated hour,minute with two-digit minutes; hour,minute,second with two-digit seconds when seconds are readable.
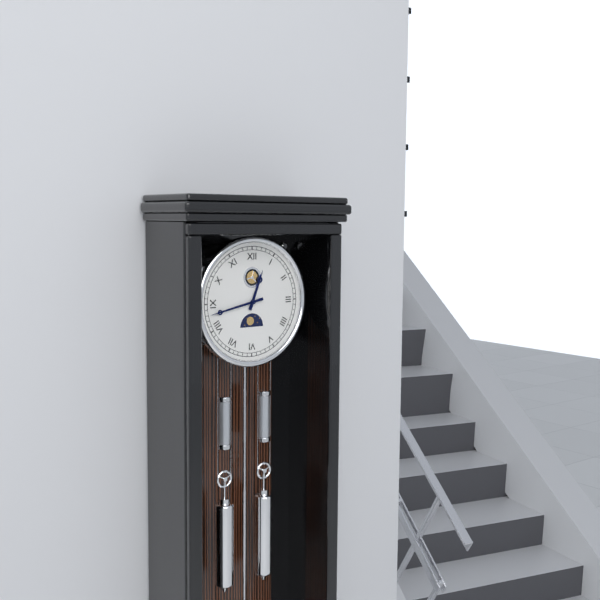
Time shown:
12,43
